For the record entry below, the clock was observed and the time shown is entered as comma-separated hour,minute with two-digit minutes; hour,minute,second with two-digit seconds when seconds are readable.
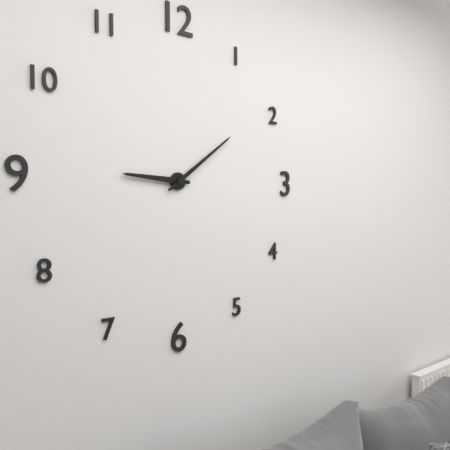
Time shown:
9,09
